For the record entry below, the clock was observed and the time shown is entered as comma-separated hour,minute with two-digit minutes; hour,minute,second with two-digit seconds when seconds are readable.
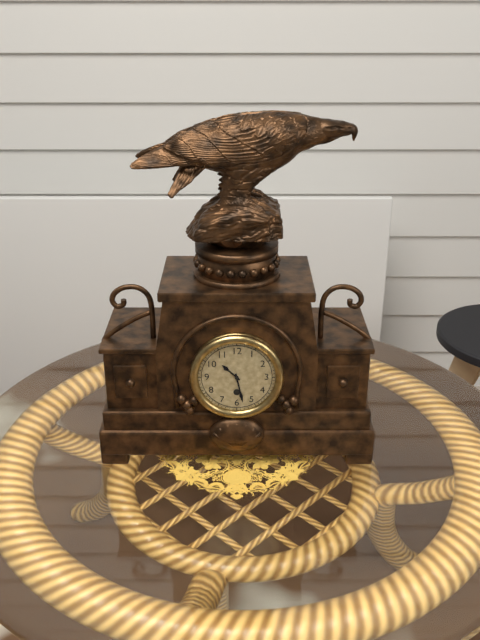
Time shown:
10,28
